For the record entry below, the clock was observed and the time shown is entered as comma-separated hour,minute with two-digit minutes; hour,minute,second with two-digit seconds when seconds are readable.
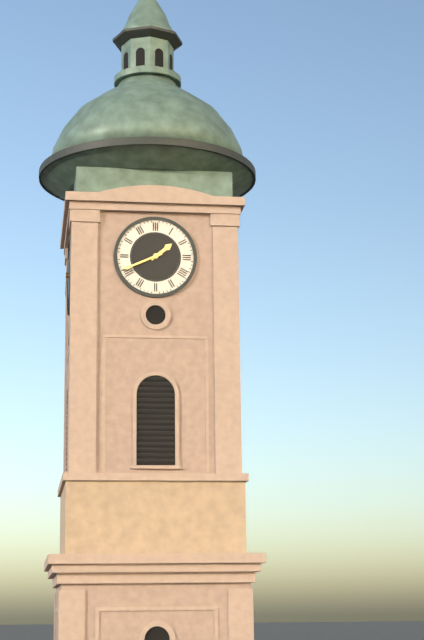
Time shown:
1,41
